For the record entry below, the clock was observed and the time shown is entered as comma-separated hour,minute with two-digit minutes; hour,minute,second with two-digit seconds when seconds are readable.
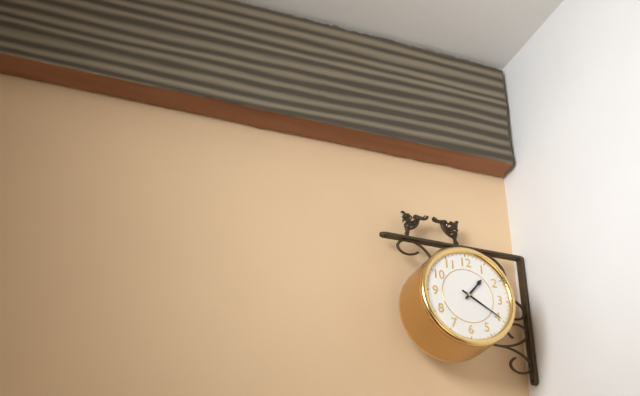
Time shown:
1,20
